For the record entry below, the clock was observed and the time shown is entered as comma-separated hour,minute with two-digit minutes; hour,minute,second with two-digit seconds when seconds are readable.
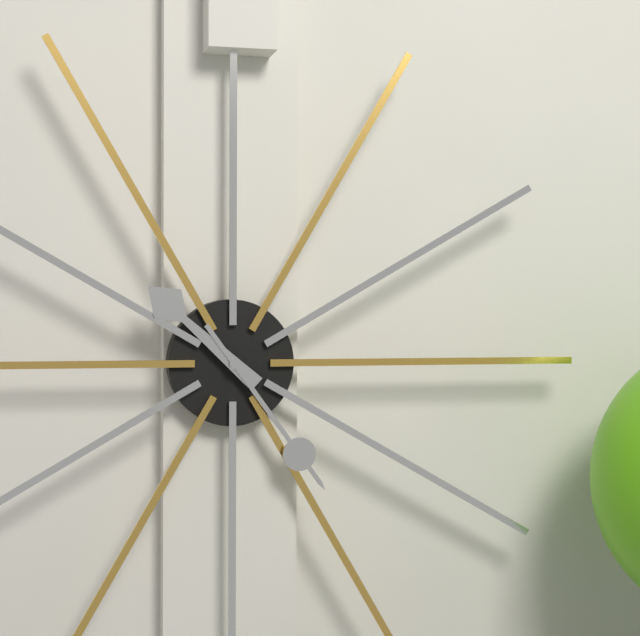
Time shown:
10,24
